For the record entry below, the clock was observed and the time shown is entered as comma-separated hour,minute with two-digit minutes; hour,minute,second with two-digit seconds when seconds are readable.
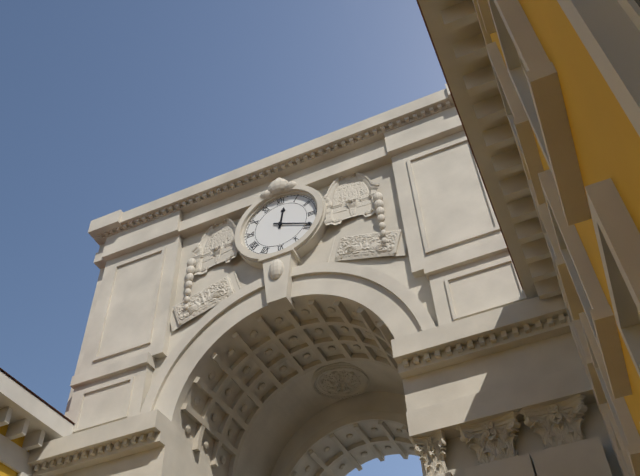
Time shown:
12,19
